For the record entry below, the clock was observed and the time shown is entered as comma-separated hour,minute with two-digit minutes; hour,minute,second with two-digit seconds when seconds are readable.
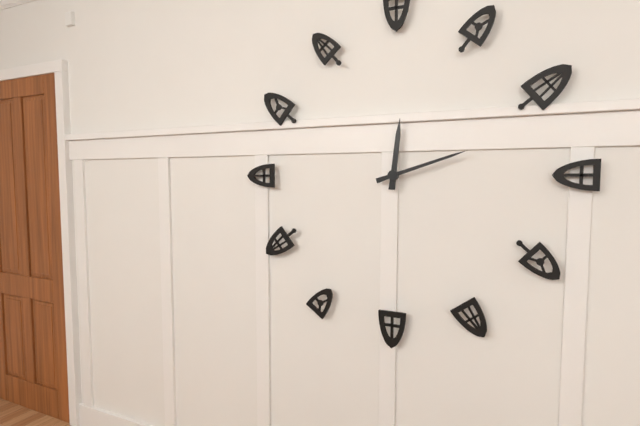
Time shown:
12,12
